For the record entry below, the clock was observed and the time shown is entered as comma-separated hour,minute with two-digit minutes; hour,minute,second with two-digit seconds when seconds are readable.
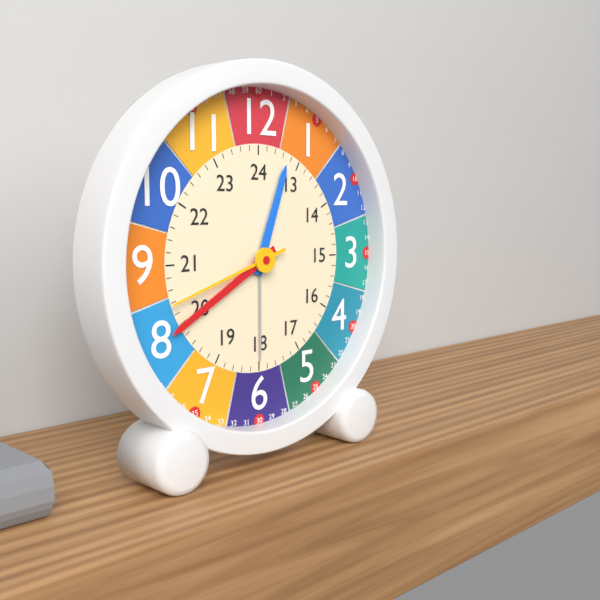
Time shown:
12,40,42
